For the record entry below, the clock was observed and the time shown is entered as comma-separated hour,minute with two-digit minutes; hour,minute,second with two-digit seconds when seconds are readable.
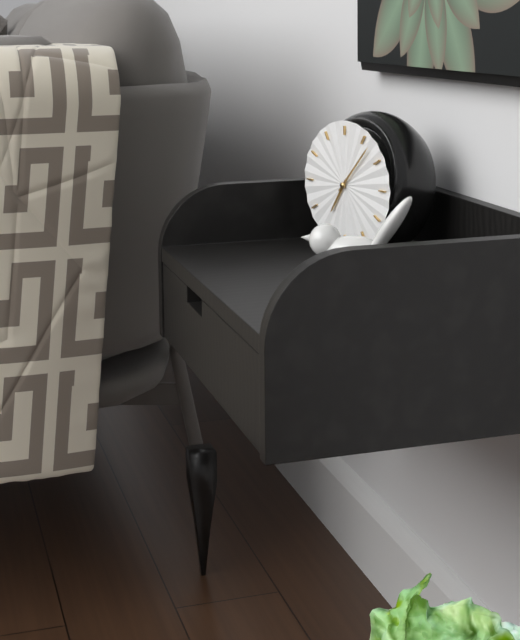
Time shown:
7,07
